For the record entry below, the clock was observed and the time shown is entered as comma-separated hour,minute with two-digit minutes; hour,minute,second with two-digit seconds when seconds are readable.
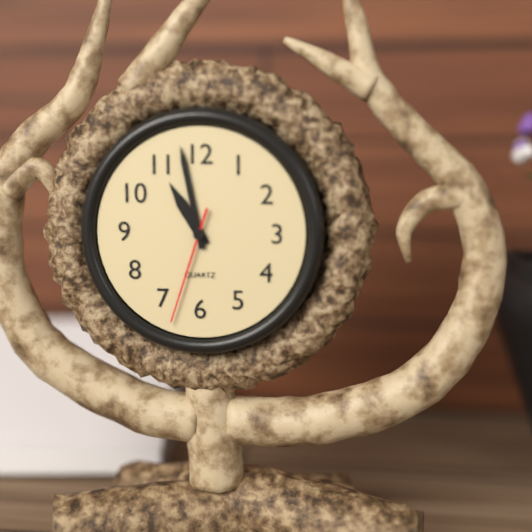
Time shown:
10,58,33
